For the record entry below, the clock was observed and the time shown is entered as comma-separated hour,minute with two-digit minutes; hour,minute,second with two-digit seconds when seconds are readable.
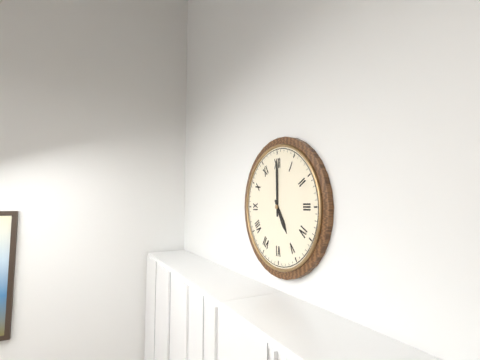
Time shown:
5,00
